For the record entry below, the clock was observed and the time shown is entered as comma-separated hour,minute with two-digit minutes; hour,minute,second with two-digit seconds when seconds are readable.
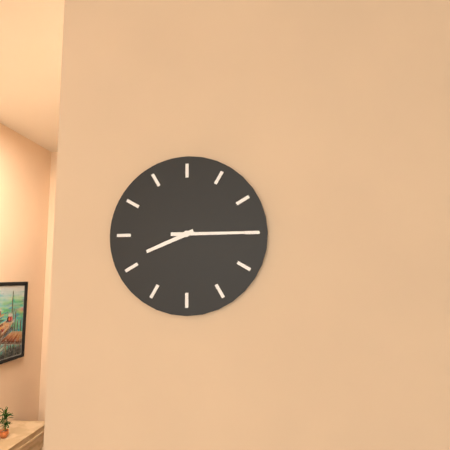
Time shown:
8,15
